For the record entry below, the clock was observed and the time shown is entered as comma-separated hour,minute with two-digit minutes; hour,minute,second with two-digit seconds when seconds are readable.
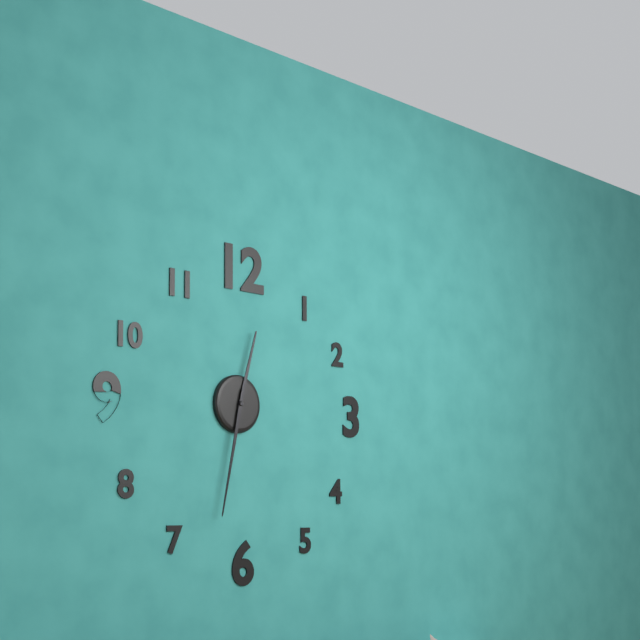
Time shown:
12,32
